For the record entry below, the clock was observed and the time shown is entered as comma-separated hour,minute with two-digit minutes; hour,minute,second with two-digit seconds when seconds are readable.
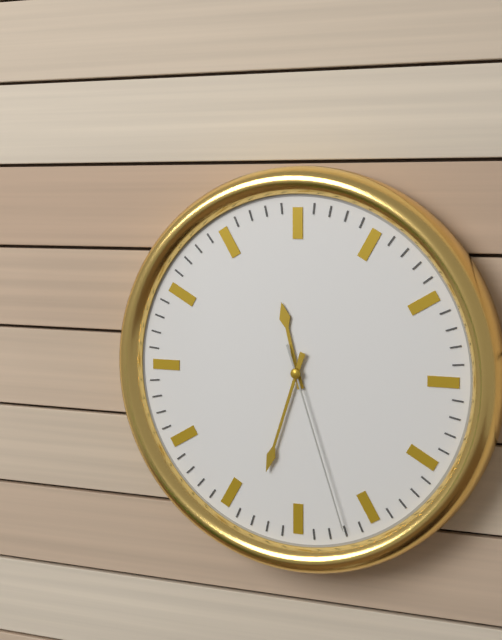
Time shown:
11,33,27
